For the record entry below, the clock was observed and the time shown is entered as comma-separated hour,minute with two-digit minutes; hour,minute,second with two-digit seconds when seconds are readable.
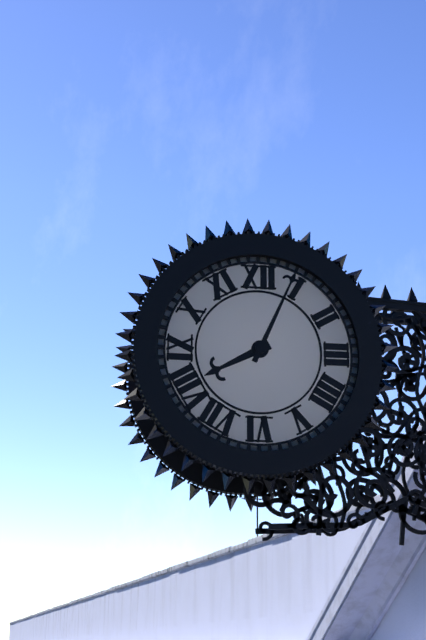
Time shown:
8,04
